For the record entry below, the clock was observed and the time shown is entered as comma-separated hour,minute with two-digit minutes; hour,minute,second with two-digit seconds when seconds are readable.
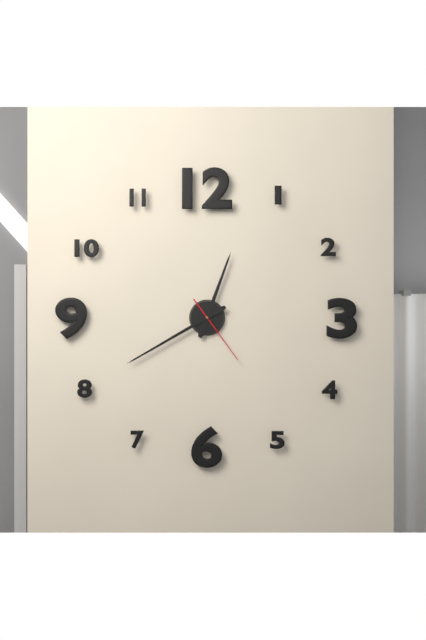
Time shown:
12,40,24
